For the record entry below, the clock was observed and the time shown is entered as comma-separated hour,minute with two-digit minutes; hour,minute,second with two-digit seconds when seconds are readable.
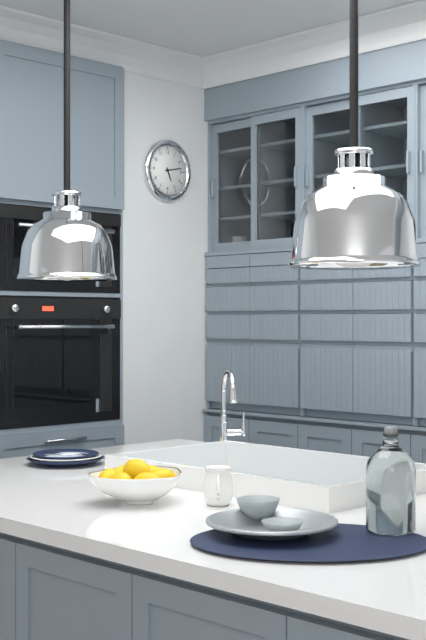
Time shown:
5,13
